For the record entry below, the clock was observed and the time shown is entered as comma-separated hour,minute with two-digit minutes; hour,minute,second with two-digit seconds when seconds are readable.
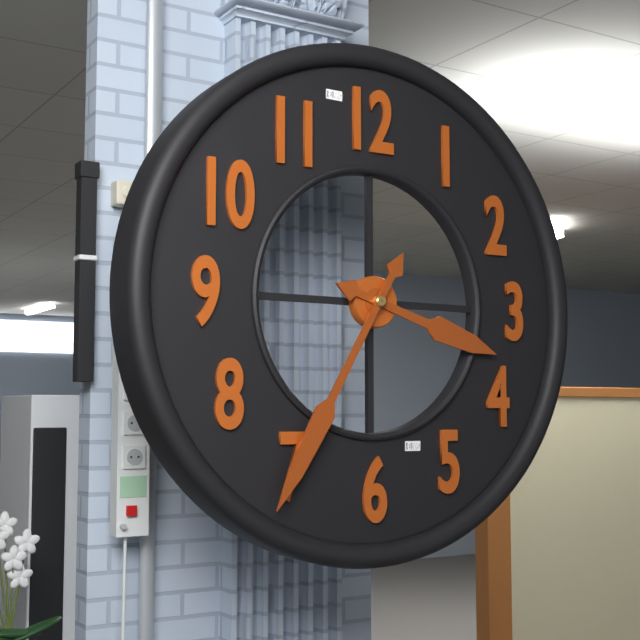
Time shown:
3,35
